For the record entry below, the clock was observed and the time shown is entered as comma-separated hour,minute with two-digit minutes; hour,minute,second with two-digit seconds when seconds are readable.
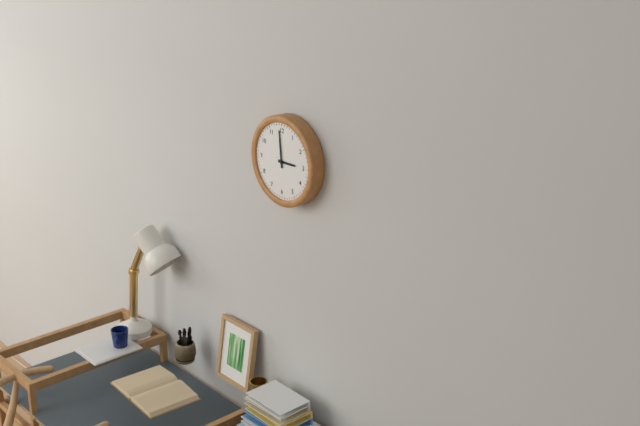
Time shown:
2,59
